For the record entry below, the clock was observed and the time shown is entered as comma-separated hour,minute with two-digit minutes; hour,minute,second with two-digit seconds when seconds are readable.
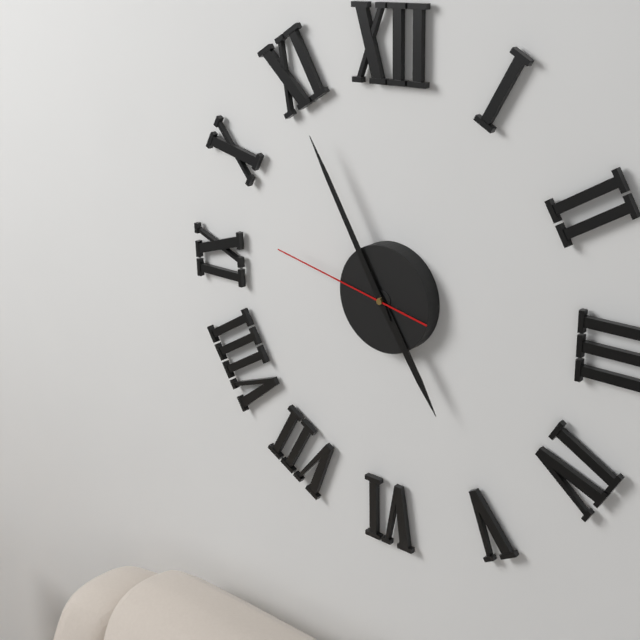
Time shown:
4,55,47
